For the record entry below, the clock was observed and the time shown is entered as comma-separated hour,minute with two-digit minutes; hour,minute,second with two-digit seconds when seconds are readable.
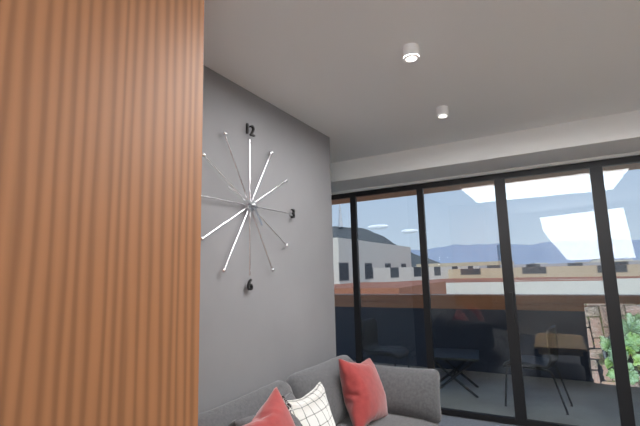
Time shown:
4,48
